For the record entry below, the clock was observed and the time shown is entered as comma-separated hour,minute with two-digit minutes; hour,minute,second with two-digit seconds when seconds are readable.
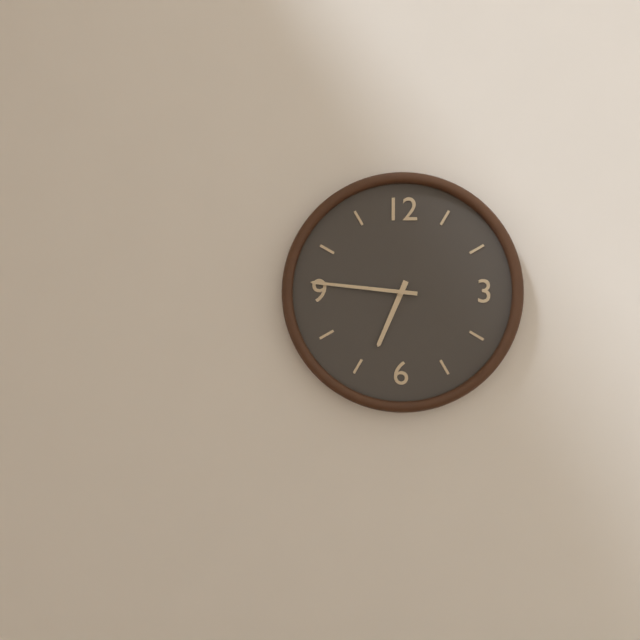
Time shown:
6,46
